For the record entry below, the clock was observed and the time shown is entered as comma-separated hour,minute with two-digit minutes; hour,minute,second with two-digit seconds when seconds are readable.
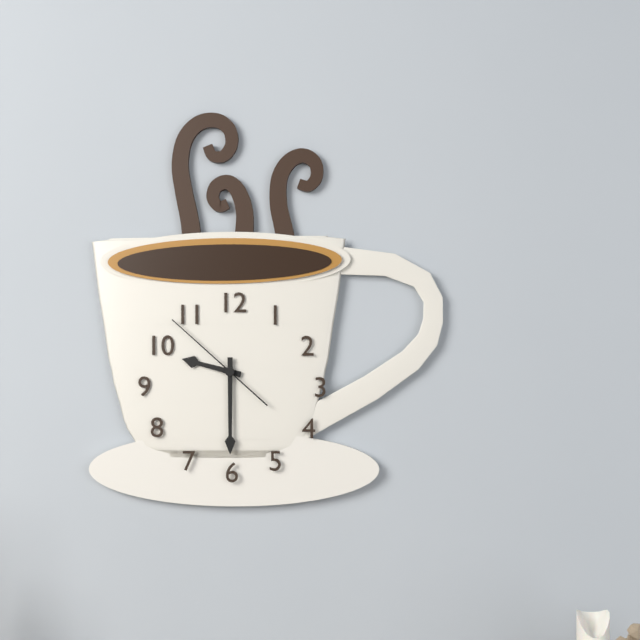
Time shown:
9,30,52
